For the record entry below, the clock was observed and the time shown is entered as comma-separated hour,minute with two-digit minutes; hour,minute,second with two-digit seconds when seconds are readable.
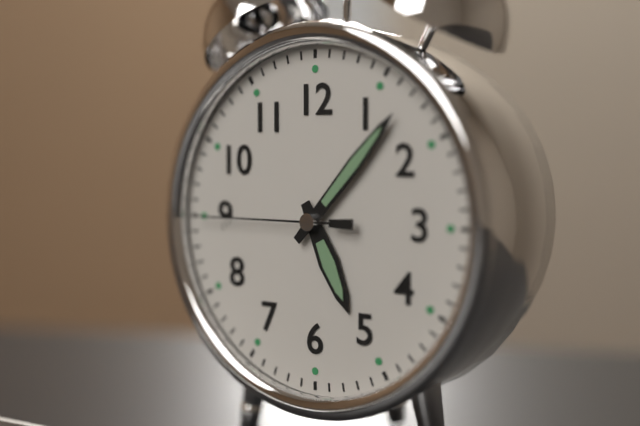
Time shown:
5,07,45
